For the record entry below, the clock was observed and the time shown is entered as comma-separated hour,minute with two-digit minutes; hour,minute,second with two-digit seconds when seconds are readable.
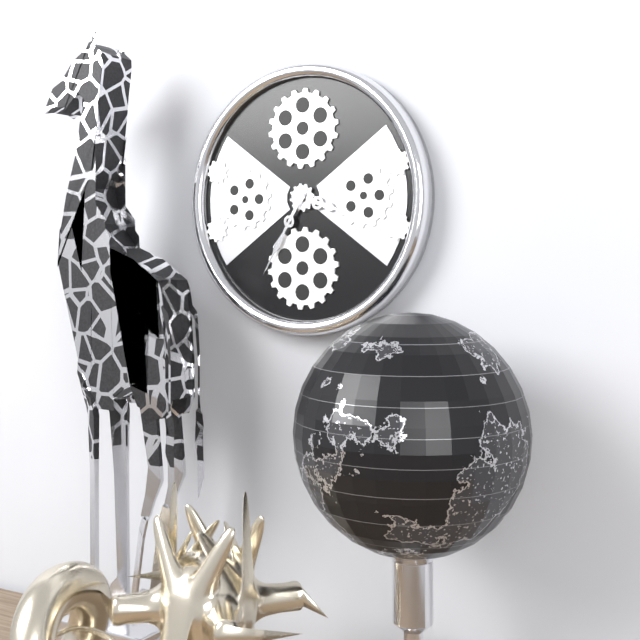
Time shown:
3,35
